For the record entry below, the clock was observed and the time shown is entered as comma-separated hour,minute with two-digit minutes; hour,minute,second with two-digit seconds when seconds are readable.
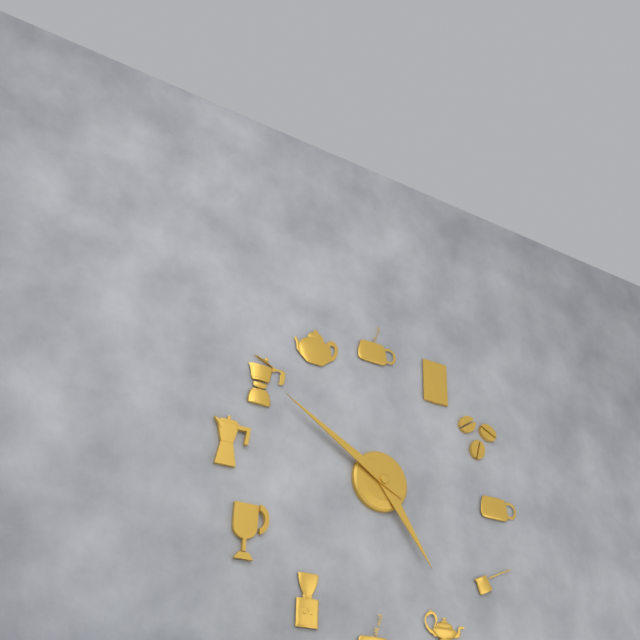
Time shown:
4,50
